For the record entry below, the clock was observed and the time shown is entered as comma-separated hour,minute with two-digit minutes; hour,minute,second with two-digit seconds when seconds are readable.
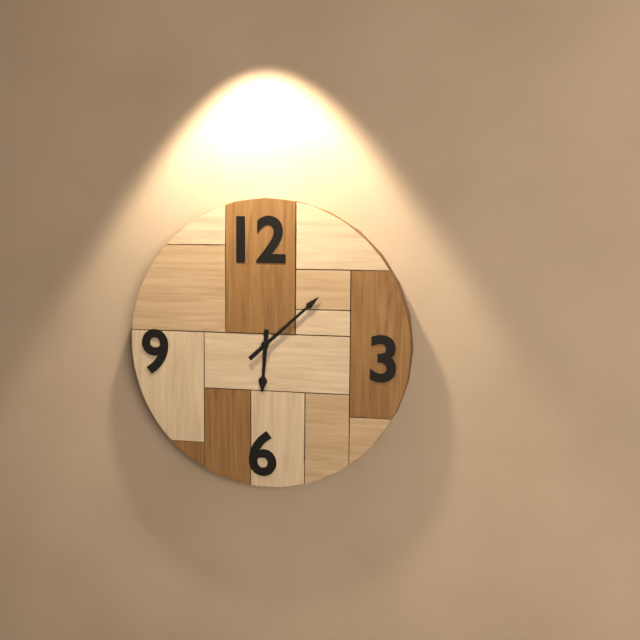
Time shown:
6,08
